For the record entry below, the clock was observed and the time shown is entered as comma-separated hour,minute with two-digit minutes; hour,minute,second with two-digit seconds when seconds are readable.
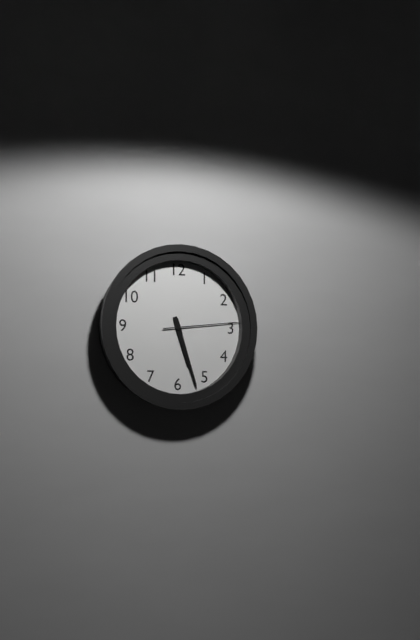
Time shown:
5,27,14
